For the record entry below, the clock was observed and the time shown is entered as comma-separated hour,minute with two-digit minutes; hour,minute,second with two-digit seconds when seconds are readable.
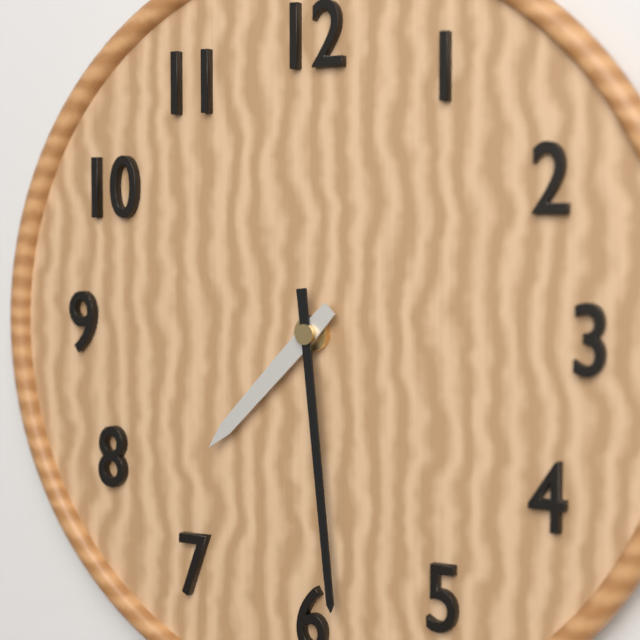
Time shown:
7,29
